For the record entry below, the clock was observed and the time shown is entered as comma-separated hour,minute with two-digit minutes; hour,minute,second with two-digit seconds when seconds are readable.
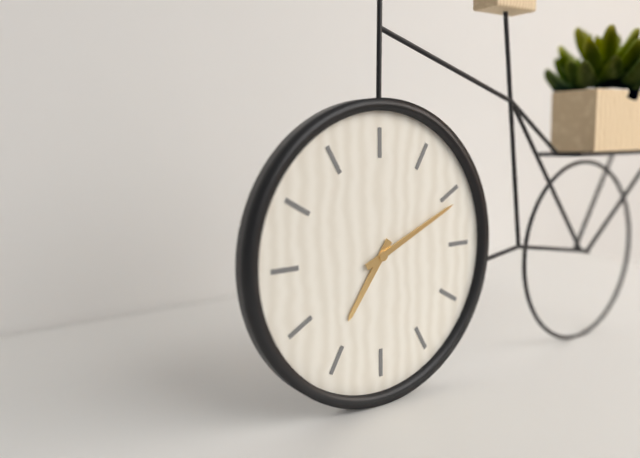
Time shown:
7,11
